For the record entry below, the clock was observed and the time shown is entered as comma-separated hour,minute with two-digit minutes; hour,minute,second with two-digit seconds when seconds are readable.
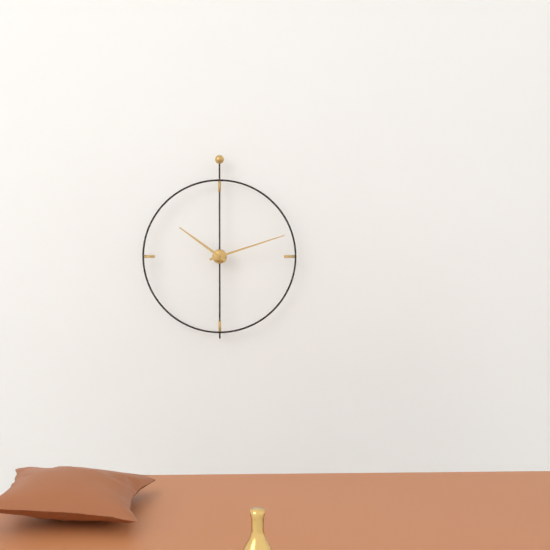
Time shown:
10,12
